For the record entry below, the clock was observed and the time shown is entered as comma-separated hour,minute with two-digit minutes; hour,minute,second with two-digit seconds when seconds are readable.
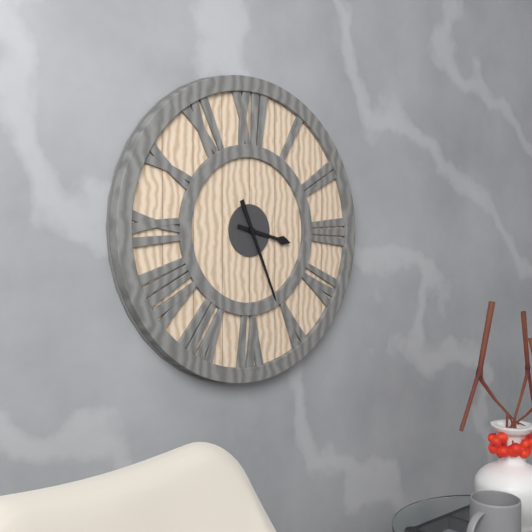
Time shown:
3,26
